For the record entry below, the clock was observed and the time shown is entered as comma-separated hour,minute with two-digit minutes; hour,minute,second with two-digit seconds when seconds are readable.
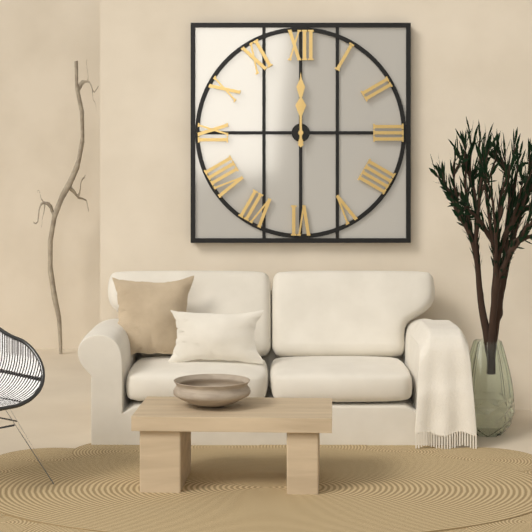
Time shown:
12,00
